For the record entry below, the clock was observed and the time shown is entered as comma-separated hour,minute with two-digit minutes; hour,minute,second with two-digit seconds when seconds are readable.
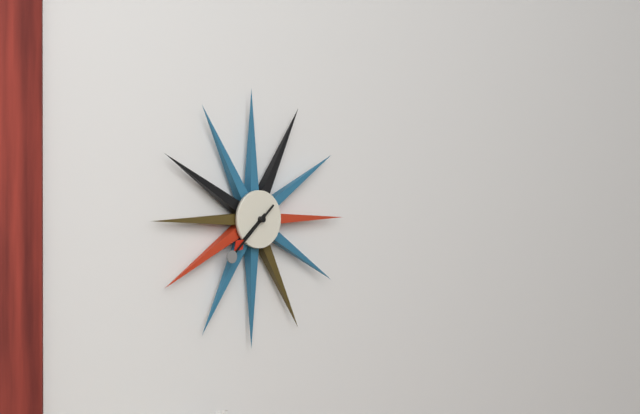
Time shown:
7,38
